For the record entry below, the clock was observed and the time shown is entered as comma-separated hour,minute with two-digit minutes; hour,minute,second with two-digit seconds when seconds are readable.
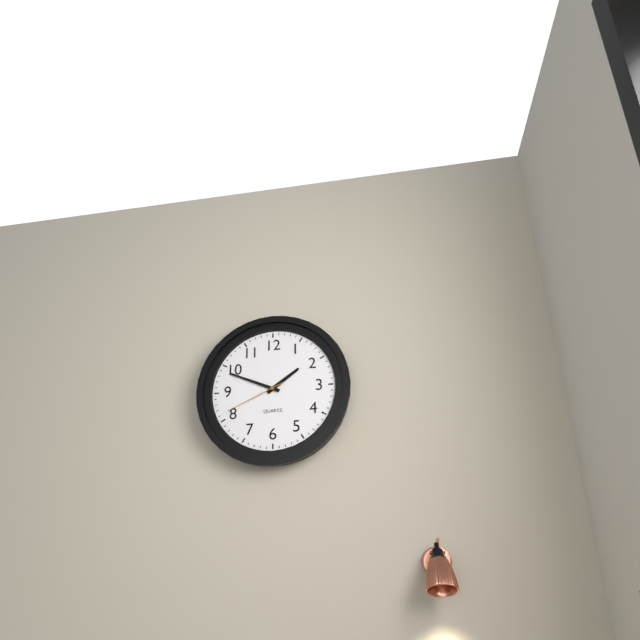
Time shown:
1,49,41
